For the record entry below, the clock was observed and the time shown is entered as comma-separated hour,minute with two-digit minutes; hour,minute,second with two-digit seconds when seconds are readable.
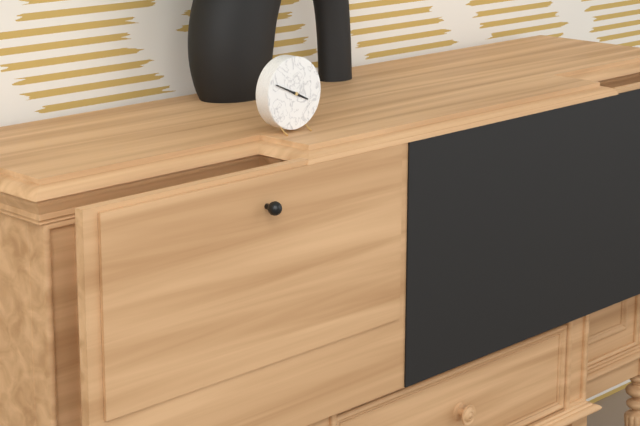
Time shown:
3,49
